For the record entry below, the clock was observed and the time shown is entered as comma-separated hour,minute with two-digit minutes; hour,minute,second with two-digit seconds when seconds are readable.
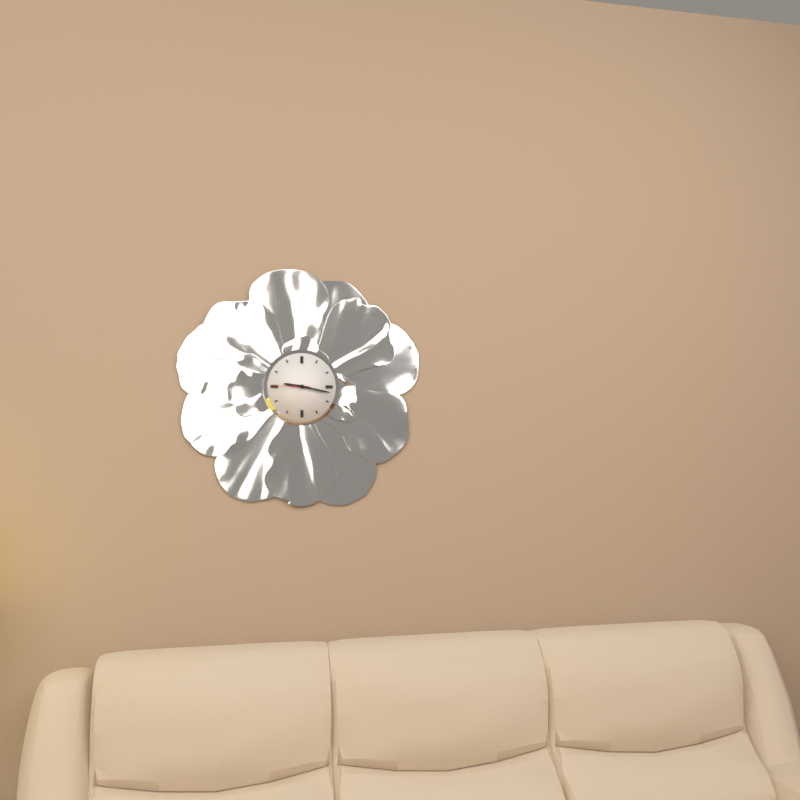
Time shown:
9,17
